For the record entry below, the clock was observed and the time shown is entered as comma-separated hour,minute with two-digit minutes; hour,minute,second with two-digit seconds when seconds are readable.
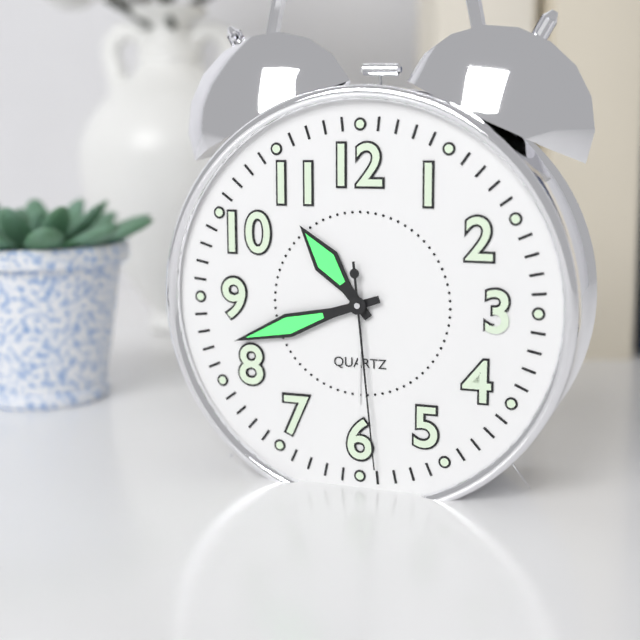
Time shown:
10,42,29
